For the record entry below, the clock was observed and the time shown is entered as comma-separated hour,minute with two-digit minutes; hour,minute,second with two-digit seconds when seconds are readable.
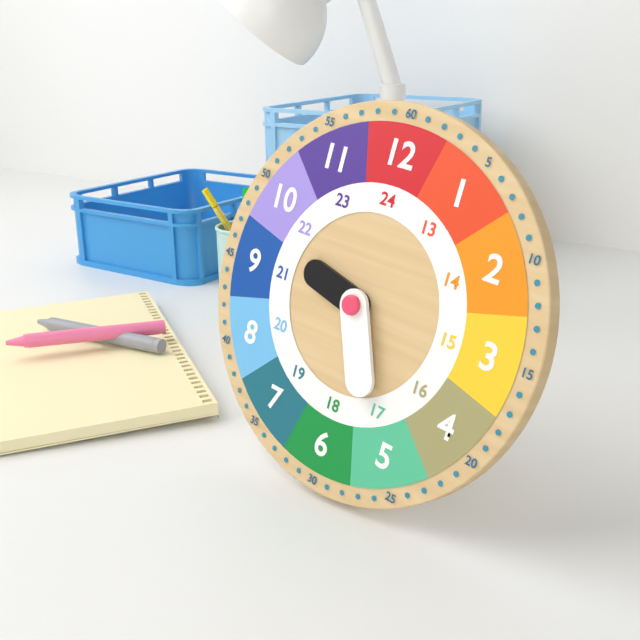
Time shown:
9,26
